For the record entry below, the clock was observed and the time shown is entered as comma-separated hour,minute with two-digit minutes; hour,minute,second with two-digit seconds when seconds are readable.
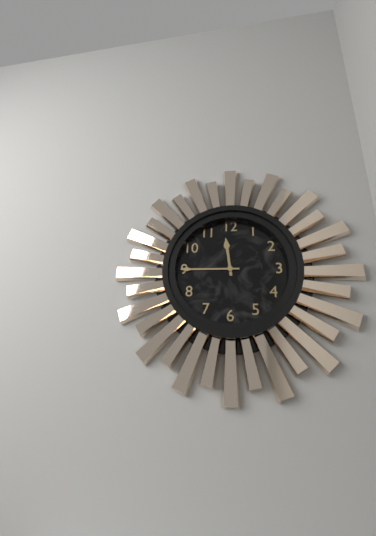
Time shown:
11,45
